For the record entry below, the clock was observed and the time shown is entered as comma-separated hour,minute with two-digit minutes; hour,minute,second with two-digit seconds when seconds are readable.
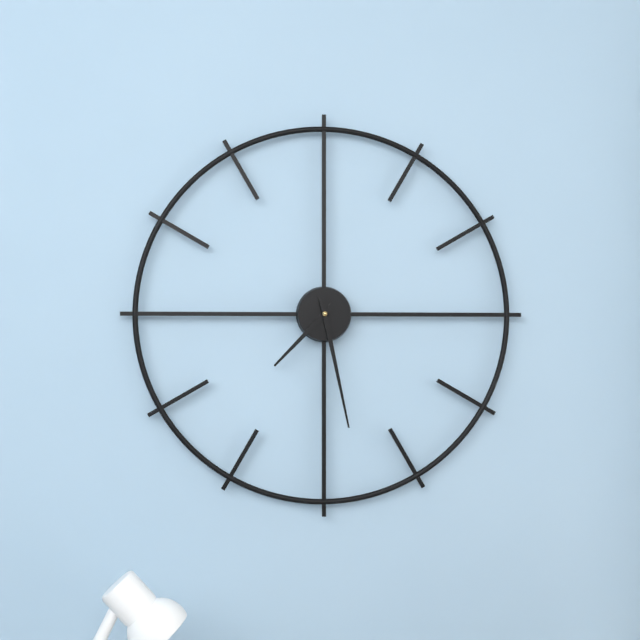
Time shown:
7,28
